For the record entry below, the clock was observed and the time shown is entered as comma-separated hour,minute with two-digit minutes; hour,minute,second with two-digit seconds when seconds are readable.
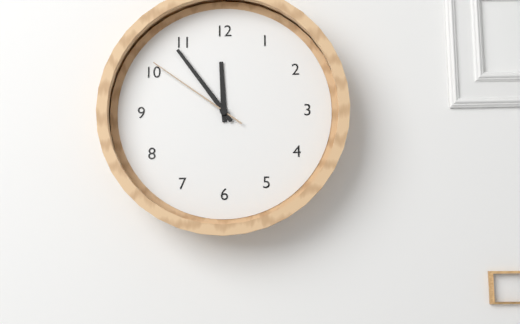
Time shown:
11,54,51
